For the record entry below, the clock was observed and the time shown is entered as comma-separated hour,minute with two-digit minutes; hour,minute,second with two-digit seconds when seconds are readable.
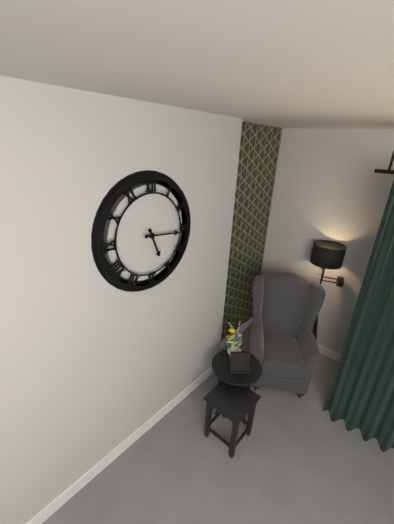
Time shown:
5,16
